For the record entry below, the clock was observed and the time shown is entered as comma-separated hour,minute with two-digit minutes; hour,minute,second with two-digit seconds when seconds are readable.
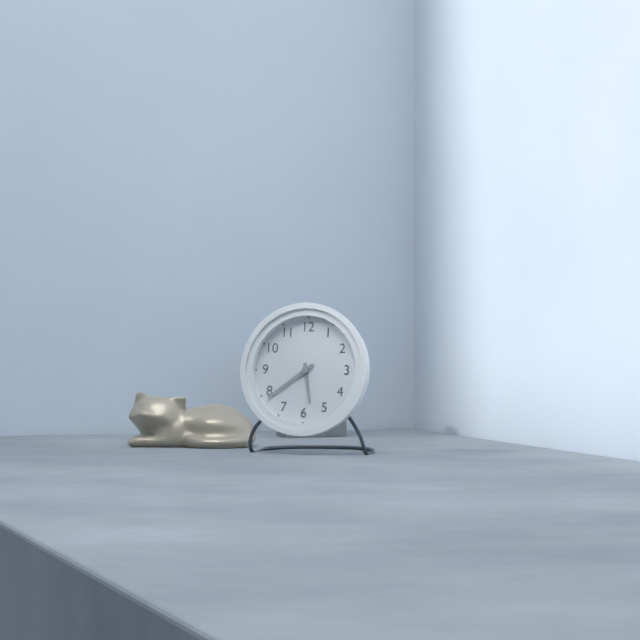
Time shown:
5,39
